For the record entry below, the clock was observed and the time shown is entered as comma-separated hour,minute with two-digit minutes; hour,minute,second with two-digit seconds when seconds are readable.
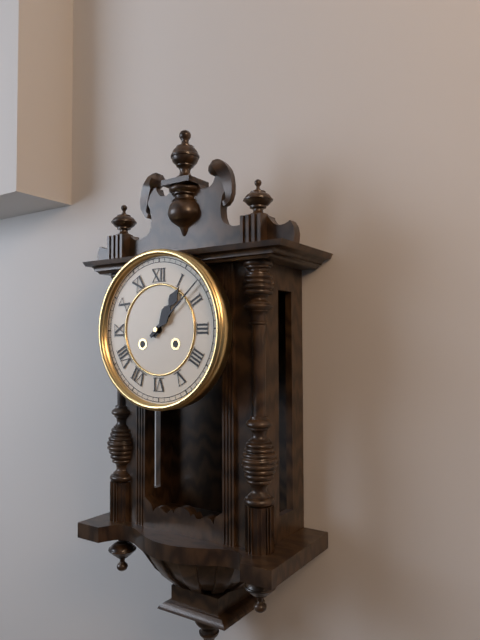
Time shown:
1,08
